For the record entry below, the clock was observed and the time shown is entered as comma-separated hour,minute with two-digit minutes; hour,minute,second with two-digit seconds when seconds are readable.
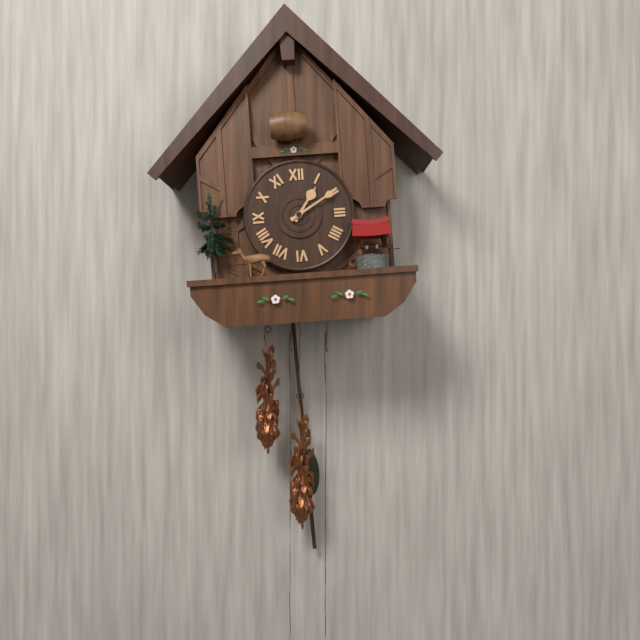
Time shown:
1,10
